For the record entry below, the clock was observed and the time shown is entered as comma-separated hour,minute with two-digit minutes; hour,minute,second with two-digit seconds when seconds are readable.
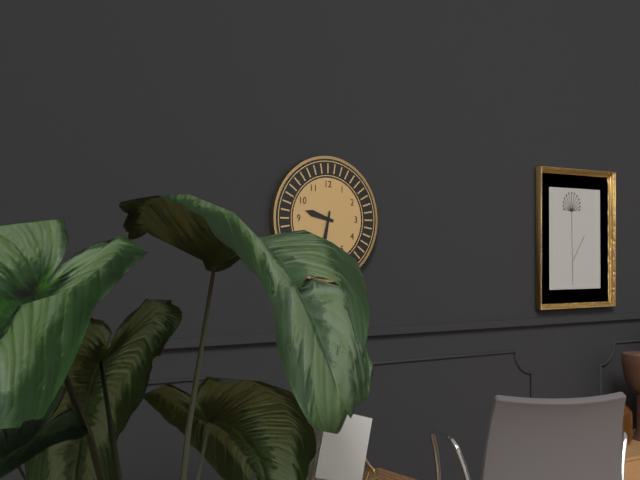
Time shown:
9,32
